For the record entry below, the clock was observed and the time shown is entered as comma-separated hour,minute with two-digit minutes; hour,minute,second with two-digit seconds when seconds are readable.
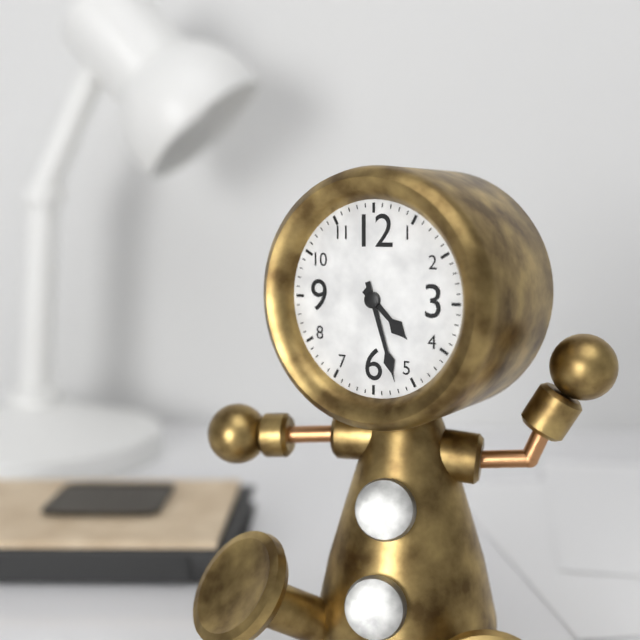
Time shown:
4,27
